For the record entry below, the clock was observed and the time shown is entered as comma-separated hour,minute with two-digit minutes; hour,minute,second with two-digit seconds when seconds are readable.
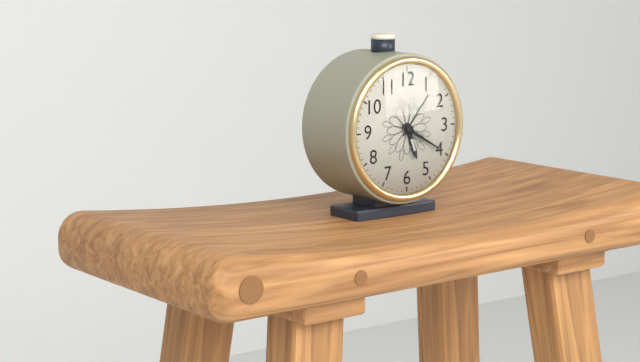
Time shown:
5,20
